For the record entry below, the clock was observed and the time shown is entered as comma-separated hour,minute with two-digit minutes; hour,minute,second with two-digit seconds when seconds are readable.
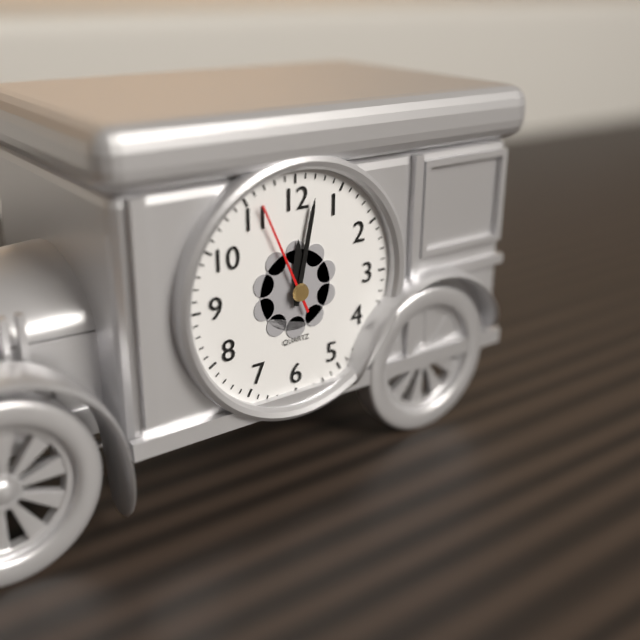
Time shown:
12,02,56
